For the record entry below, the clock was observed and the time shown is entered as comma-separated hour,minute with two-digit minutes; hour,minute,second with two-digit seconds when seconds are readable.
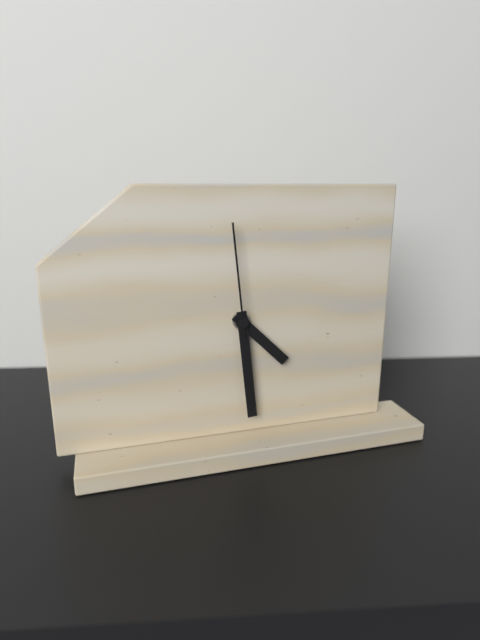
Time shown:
4,29,59
